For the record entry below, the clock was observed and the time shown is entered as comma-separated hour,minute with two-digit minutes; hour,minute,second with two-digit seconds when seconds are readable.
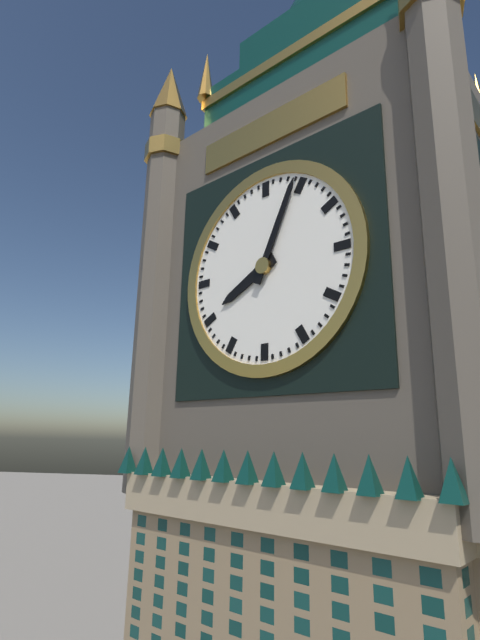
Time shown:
8,04
